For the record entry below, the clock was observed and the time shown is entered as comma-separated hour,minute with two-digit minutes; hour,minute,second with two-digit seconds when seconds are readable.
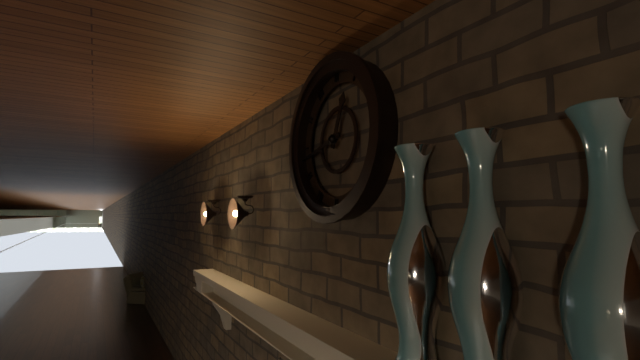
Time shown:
12,43
